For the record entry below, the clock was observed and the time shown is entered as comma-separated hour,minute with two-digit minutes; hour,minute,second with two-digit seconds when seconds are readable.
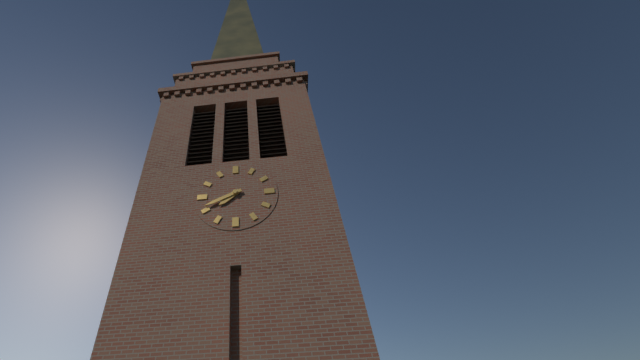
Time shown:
7,41
